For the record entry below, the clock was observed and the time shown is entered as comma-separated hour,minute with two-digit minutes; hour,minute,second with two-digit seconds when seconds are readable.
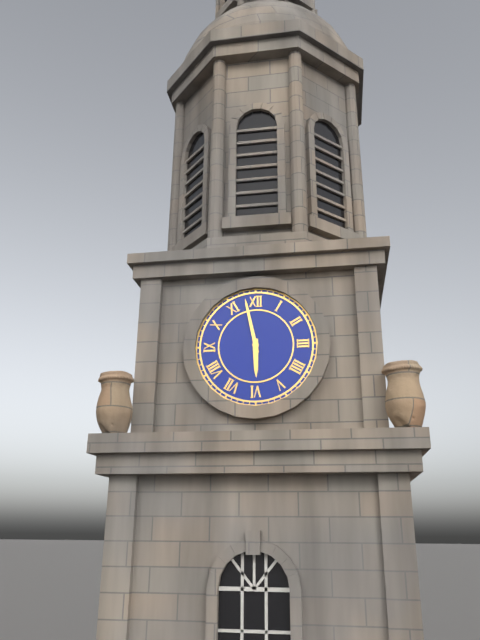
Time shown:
5,58
